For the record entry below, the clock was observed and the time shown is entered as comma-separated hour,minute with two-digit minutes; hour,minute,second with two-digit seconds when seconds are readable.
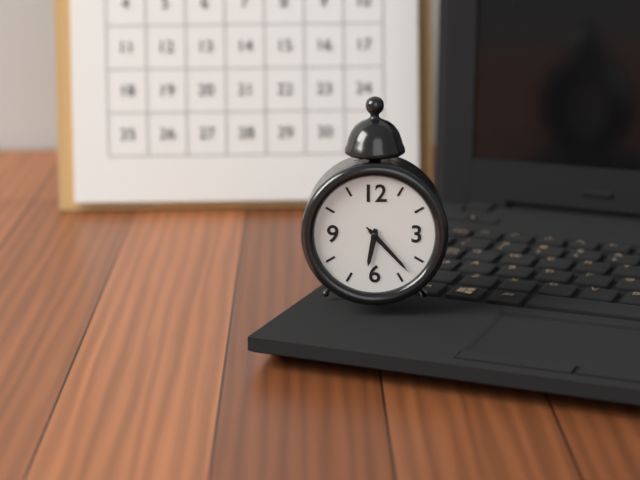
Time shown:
6,23,23
